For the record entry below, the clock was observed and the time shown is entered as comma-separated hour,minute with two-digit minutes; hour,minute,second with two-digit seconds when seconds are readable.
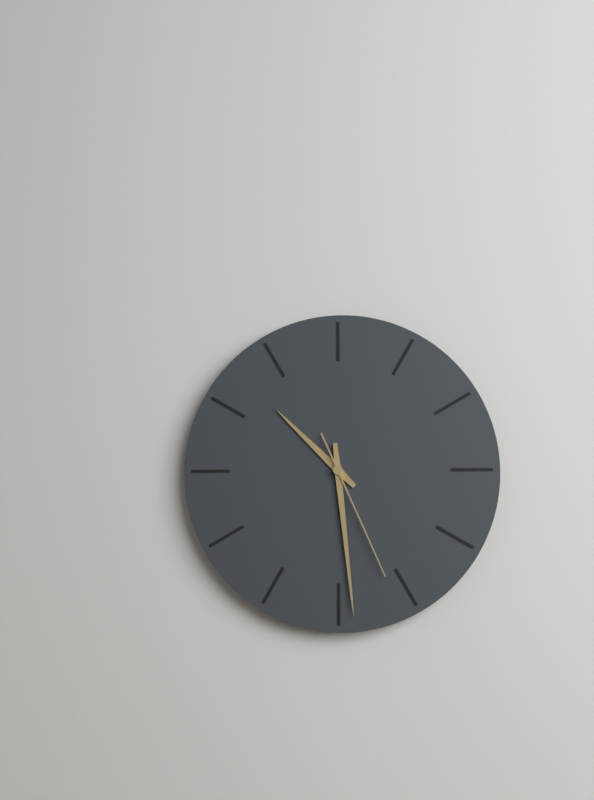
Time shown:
10,29,26
